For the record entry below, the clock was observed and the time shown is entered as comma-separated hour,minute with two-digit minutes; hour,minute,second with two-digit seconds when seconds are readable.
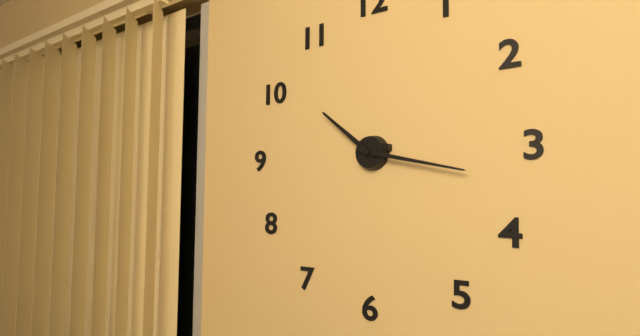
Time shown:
10,17
